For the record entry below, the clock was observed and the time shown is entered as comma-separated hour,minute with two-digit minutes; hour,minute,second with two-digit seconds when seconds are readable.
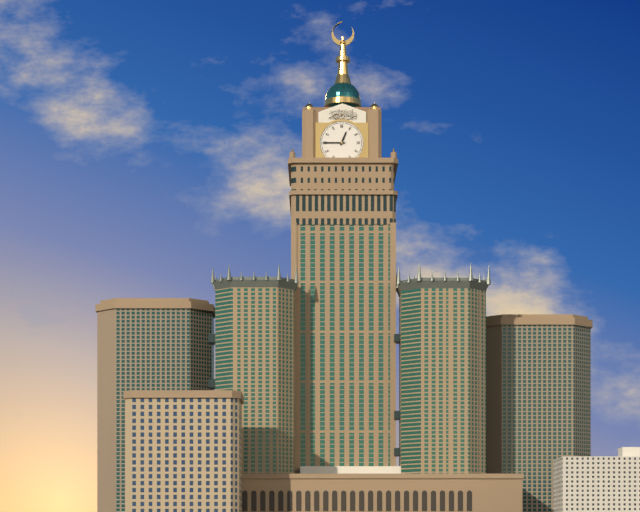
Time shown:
12,45
